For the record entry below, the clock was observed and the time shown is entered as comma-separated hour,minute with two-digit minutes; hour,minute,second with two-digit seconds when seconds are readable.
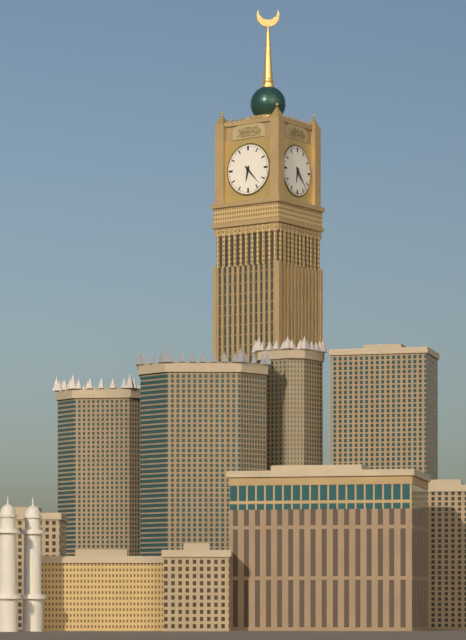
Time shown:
6,23
